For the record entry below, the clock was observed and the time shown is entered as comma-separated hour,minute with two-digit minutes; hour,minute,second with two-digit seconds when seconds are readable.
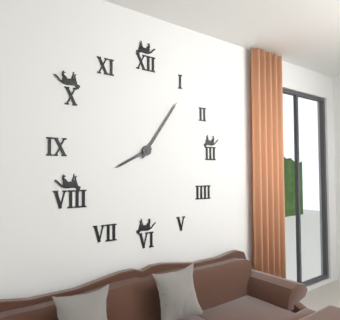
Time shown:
8,06
